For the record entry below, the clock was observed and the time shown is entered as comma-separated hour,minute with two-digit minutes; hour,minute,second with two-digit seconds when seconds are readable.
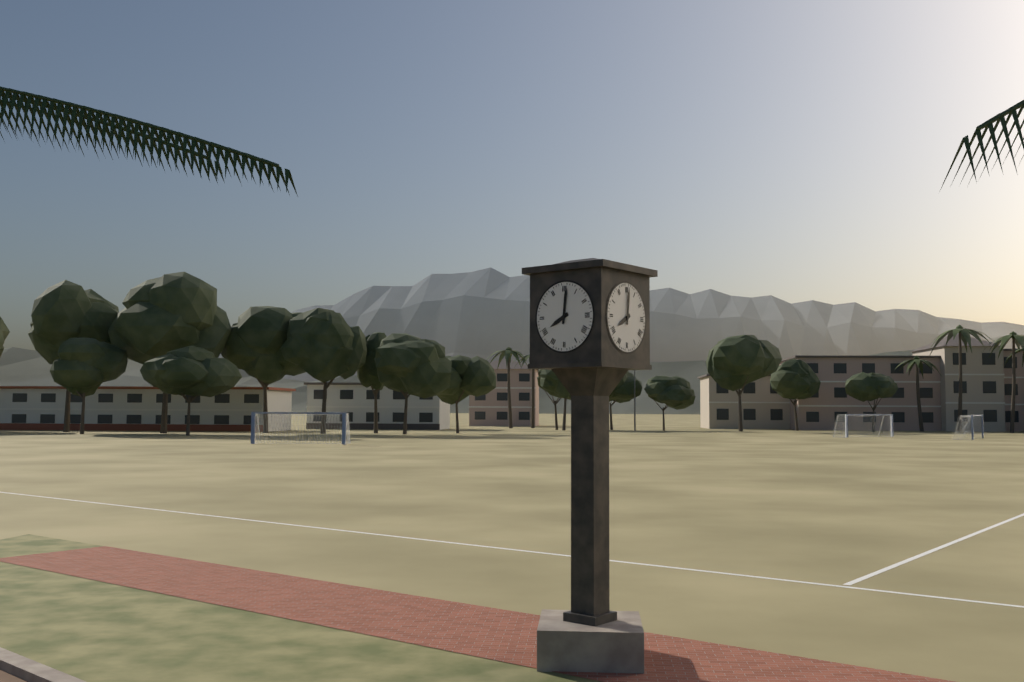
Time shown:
8,01
